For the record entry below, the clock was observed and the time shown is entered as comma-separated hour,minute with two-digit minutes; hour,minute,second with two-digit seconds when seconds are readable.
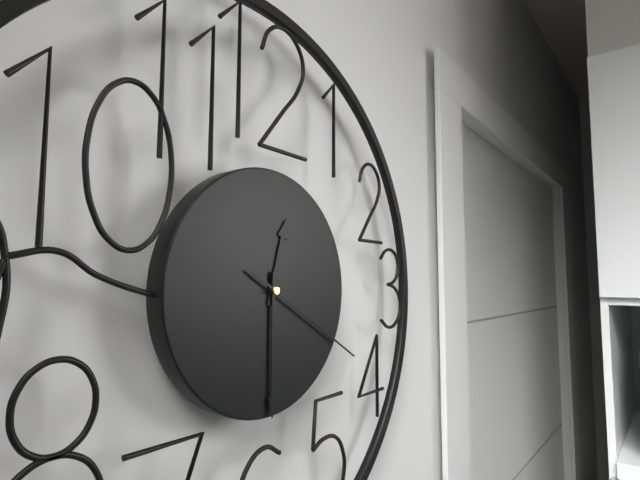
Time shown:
12,30,20
